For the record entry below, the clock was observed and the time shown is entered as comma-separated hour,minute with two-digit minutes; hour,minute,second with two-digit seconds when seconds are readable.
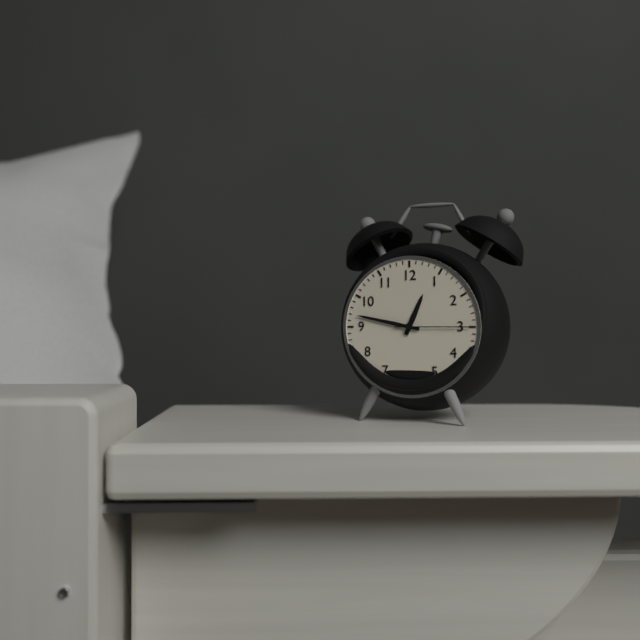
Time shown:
12,47,15
